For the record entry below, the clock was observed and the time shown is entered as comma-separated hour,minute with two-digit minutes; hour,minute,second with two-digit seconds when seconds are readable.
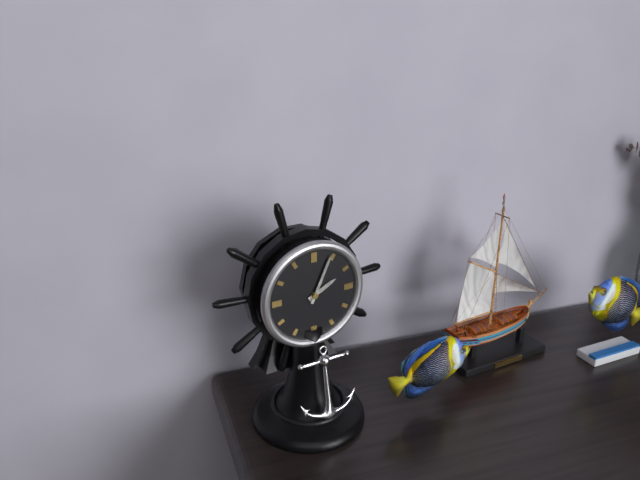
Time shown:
2,04
